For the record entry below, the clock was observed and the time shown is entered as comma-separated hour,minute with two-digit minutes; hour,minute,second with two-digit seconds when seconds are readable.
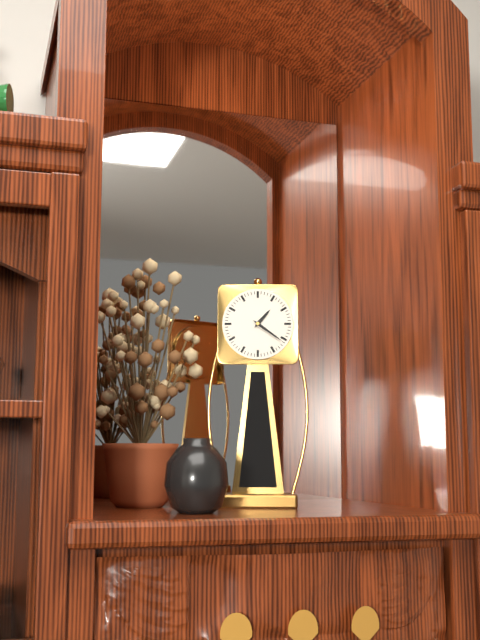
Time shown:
1,21
